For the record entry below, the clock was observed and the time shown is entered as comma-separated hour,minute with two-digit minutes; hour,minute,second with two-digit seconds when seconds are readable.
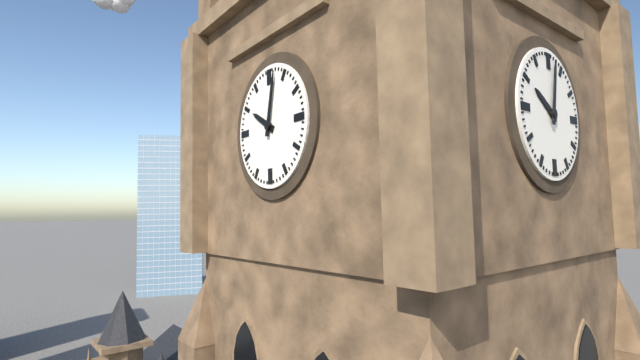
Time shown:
10,02
